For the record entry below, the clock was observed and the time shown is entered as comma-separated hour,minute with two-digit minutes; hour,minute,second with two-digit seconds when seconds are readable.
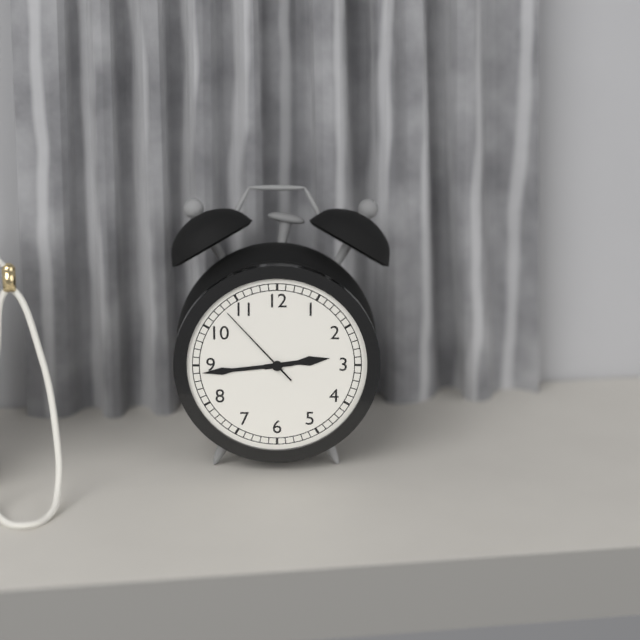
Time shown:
2,44,53
